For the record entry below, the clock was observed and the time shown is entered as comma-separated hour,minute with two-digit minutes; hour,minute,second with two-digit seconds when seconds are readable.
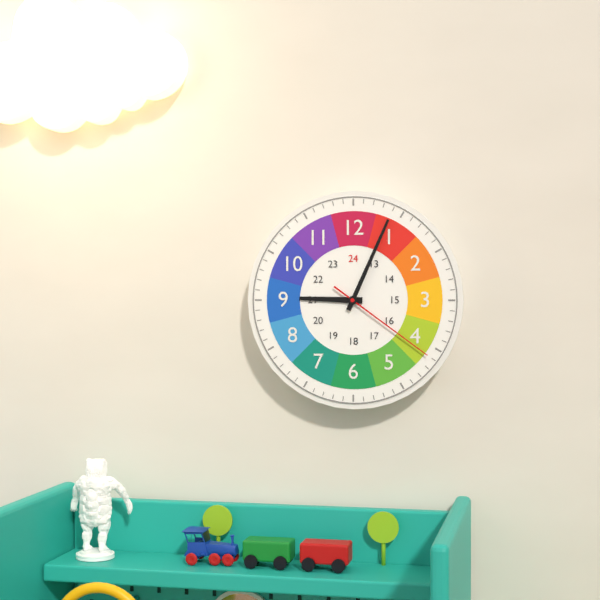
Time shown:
9,04,21
